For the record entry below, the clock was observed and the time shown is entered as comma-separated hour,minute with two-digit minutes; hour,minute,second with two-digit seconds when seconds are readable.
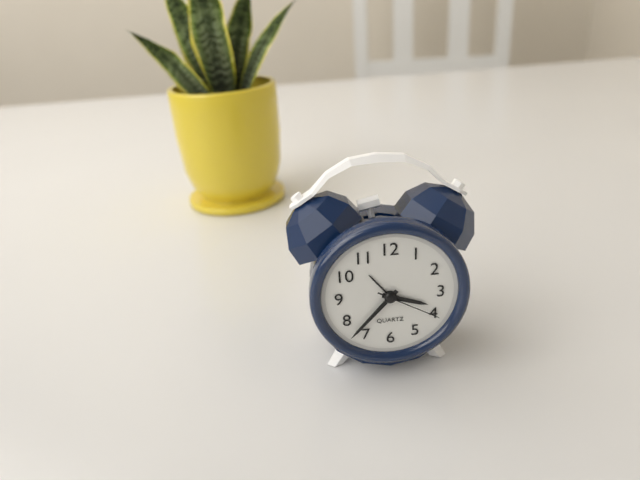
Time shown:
3,37,20
